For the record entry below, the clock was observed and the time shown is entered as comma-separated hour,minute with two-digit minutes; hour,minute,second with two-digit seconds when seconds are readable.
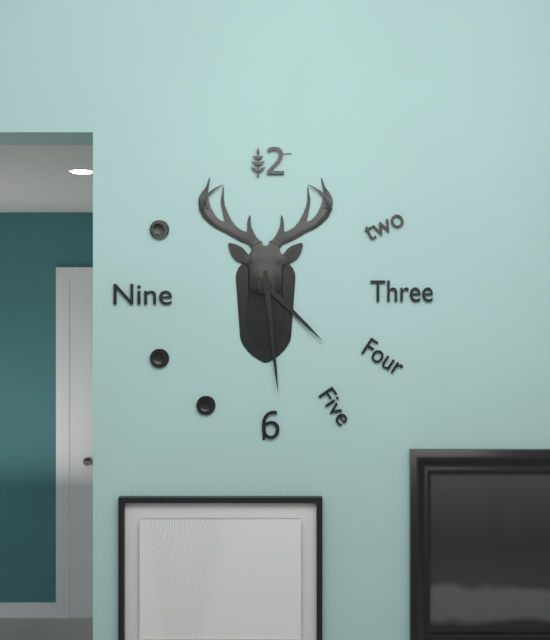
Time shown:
4,29
